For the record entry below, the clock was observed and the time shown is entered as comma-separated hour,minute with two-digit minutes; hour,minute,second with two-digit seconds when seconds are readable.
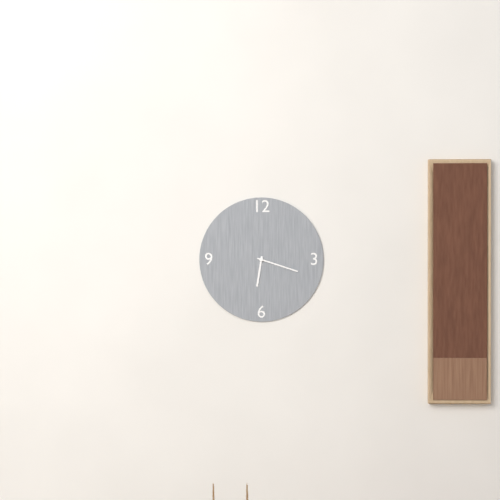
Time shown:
6,18
